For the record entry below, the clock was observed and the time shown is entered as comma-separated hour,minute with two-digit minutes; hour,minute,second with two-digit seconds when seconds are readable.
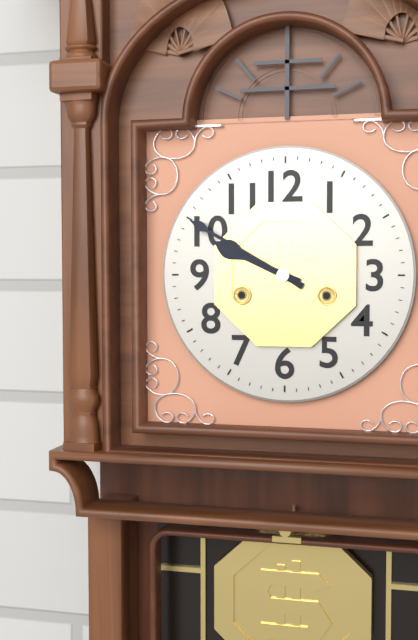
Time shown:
9,50
